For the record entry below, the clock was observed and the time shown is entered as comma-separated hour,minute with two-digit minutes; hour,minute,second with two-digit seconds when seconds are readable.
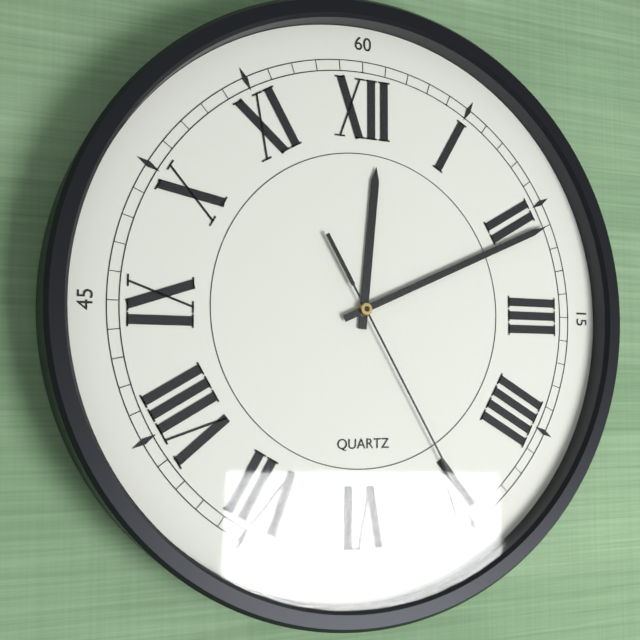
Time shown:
12,11,25
